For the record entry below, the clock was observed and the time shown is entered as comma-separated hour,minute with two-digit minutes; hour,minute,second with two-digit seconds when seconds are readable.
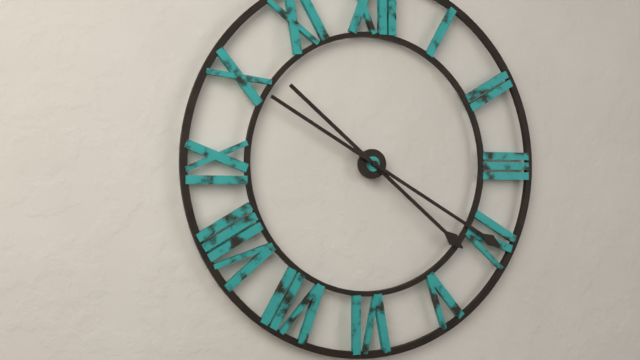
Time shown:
4,20
